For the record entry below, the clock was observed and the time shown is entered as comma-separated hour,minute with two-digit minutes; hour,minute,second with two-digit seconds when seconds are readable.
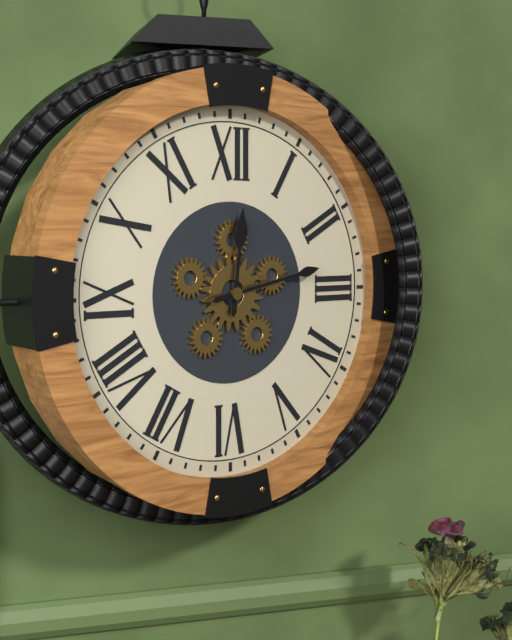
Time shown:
12,13
